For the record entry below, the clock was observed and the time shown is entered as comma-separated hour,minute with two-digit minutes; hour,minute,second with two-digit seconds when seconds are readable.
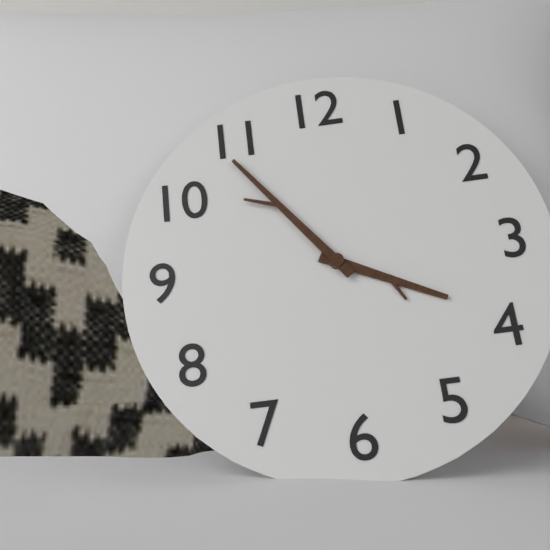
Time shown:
3,54
